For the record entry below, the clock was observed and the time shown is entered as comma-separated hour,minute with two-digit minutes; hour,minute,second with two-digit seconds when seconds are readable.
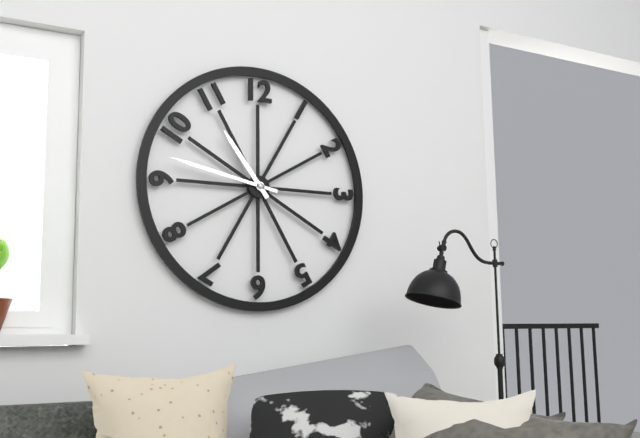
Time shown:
10,47
